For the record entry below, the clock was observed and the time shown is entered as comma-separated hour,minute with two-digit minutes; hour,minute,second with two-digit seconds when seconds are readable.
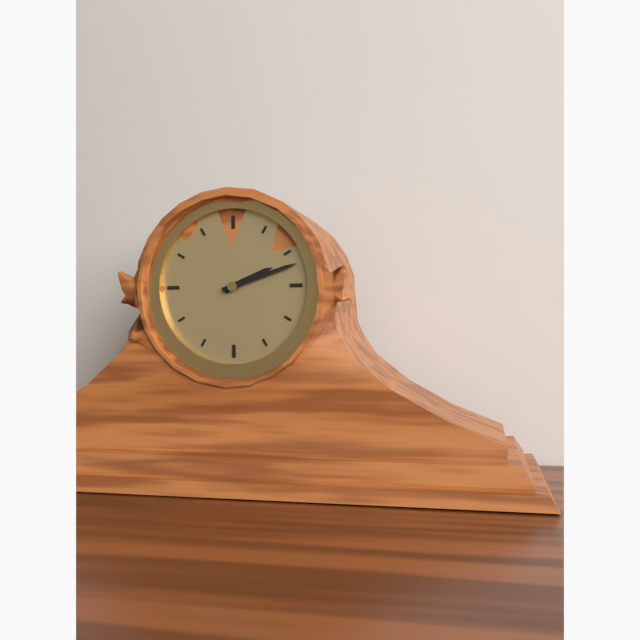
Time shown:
2,12
